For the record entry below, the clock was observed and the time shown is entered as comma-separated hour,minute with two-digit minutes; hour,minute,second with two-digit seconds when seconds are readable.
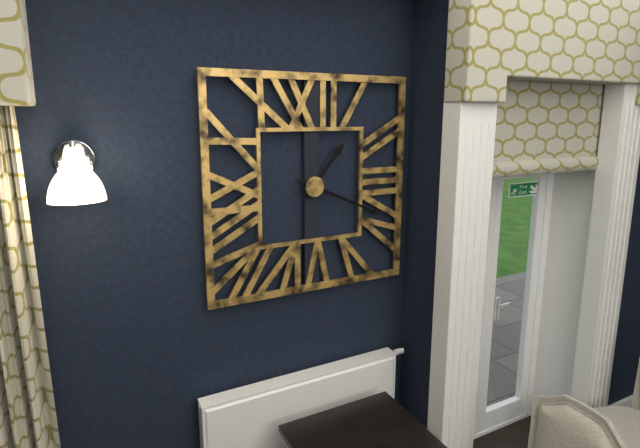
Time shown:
1,19
